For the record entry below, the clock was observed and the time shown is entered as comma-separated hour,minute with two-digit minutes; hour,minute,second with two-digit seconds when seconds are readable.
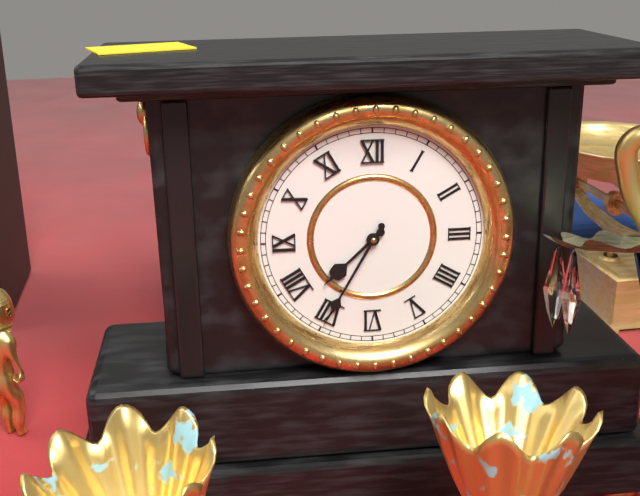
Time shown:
7,35
